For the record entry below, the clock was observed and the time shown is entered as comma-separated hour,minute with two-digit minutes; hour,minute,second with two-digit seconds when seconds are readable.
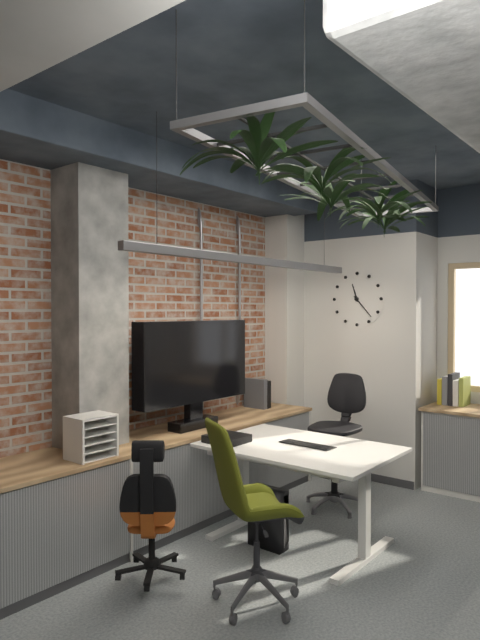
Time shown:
11,23
